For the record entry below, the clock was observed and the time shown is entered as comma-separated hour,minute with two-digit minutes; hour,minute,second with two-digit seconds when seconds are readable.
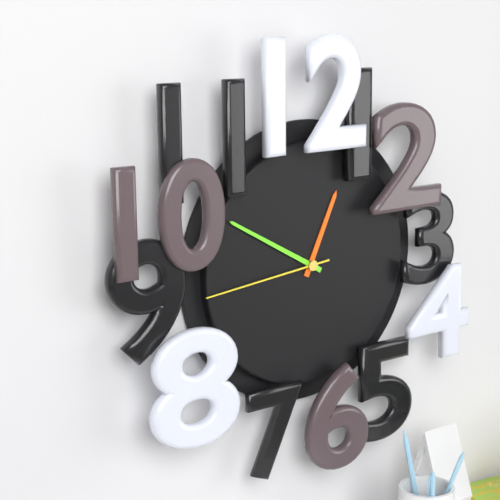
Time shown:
12,50,44
